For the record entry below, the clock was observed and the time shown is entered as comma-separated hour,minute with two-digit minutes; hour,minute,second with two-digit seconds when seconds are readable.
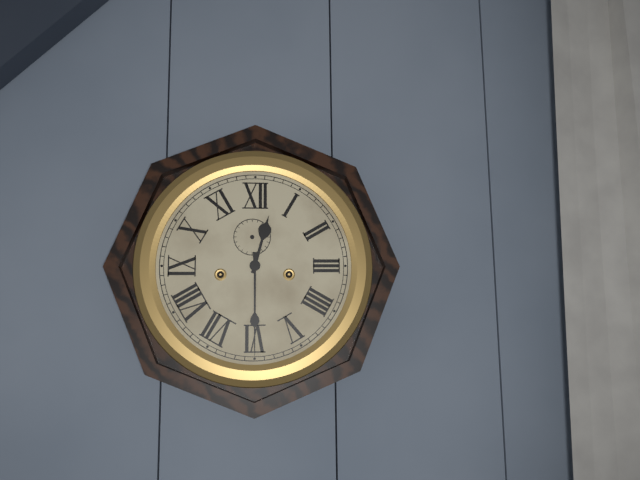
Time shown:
12,30
